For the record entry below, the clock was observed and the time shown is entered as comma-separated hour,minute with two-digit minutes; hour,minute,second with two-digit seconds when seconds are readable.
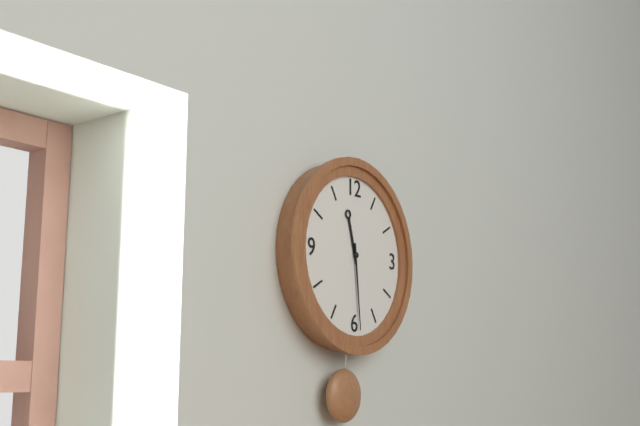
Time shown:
11,29
